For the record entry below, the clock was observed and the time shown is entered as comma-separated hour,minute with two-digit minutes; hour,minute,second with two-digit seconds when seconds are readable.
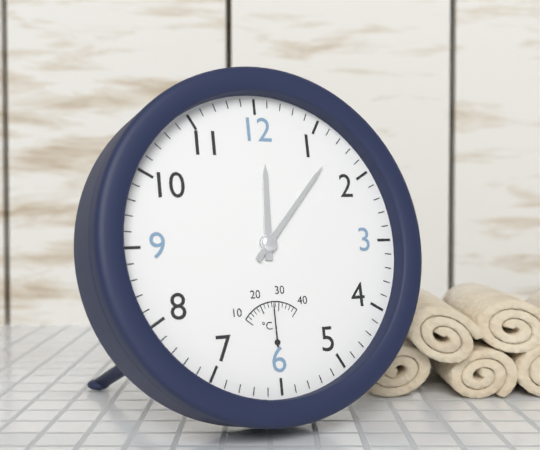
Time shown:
12,07
